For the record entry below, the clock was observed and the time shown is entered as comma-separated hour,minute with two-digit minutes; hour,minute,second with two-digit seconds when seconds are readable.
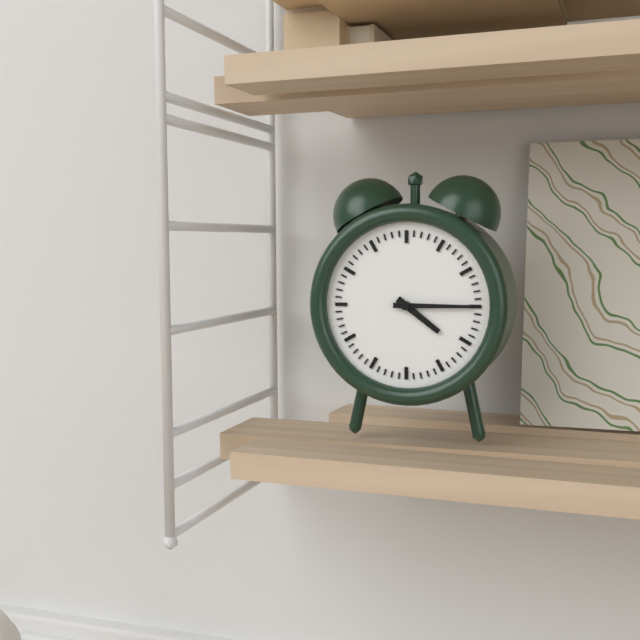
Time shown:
4,15
